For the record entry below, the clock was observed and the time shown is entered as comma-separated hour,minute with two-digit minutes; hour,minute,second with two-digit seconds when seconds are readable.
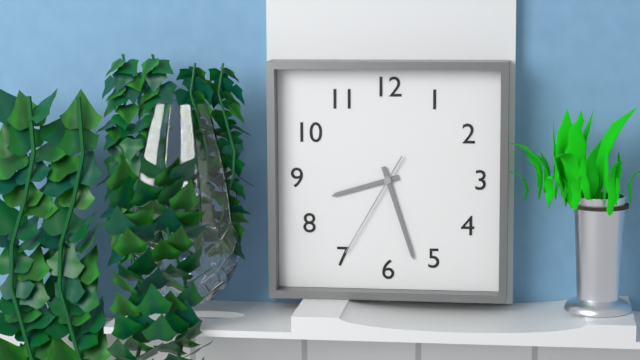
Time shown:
8,27,35
